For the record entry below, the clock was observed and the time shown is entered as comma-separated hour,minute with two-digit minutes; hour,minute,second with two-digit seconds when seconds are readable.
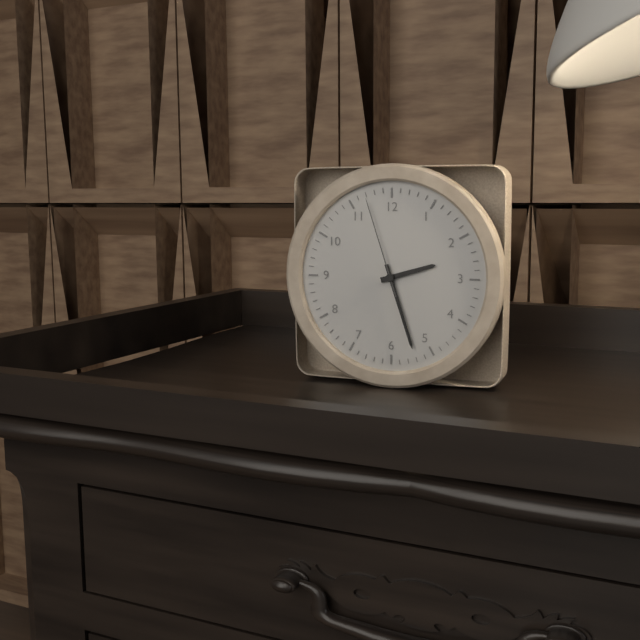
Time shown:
2,27,57
